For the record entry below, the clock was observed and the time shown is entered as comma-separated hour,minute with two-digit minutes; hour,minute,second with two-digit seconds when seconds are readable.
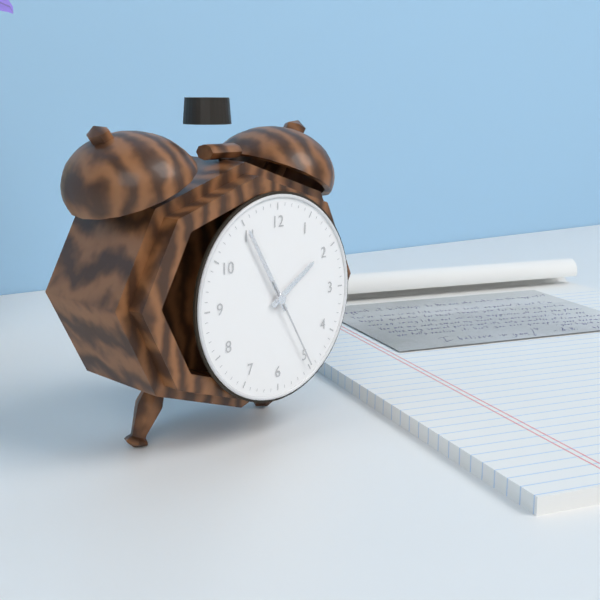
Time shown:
1,55,25
